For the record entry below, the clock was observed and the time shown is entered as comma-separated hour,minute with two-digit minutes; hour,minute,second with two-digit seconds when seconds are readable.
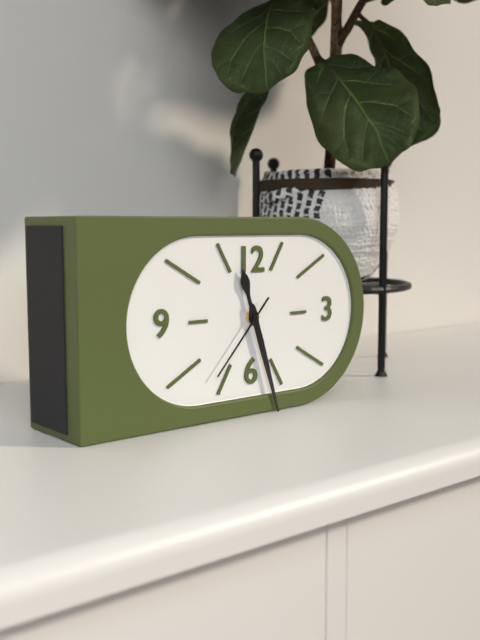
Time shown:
11,27,37
